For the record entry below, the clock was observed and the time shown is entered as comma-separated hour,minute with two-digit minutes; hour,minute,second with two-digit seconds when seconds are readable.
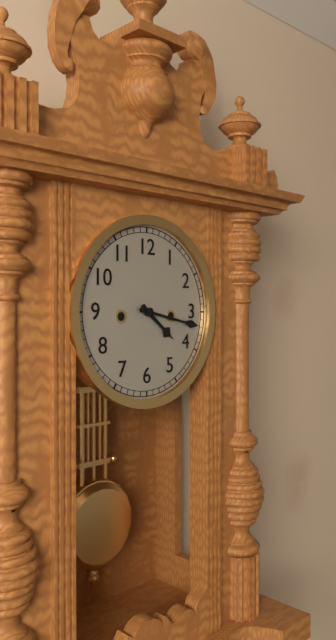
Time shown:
4,17
